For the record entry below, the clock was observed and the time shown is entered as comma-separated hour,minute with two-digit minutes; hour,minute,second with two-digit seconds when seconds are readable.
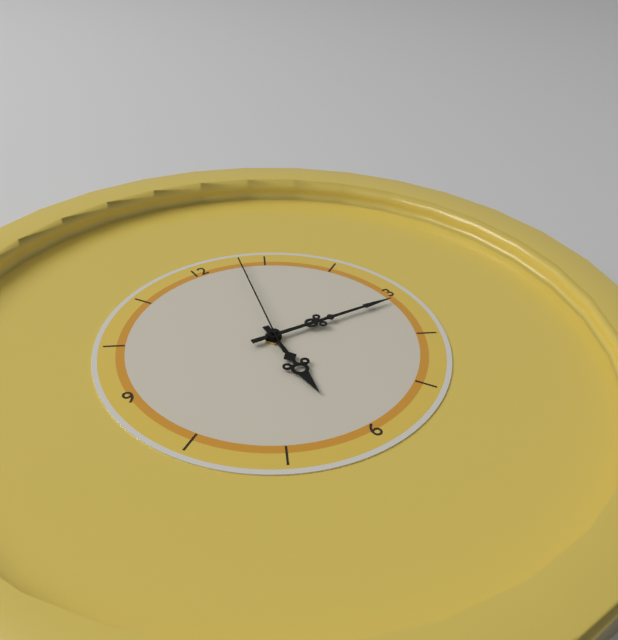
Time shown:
6,16,03
